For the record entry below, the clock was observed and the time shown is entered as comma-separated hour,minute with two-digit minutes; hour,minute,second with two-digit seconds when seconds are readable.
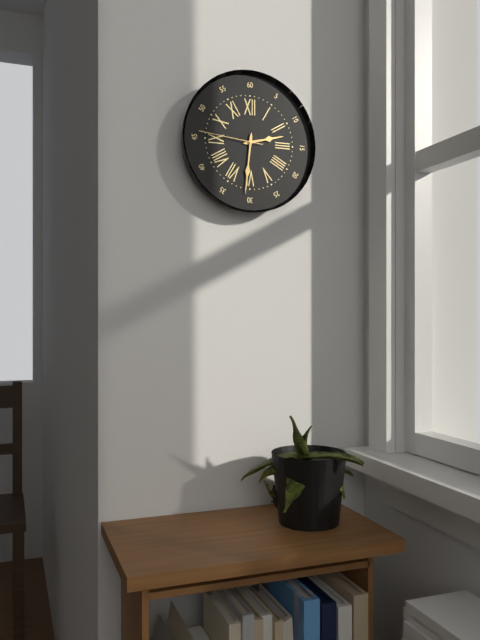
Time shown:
2,31,46
